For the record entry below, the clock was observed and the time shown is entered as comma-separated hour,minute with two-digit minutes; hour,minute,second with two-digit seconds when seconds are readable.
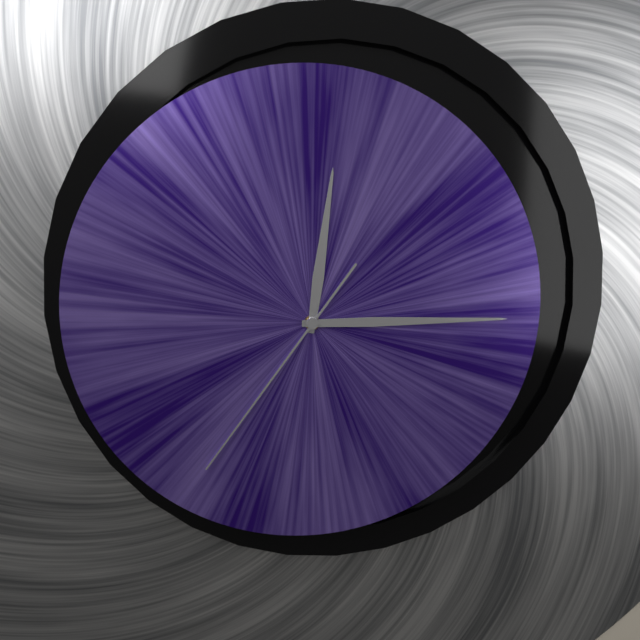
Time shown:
12,15,36
